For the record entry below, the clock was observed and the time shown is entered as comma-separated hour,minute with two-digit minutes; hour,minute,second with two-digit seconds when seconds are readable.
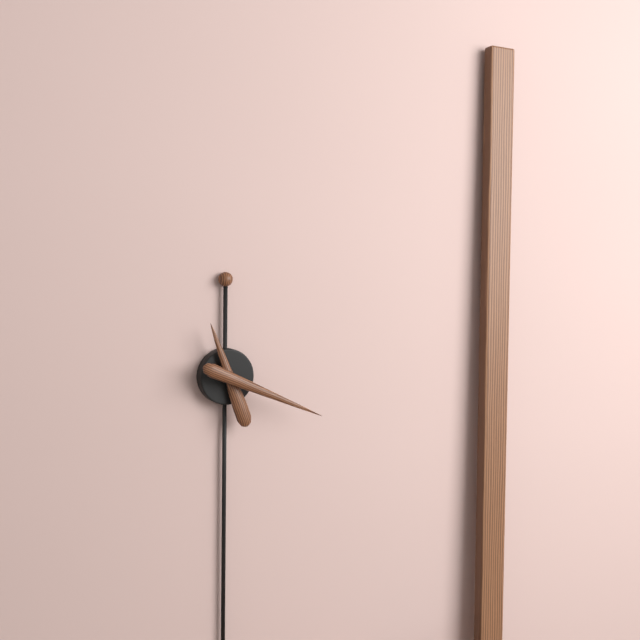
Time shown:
11,19
